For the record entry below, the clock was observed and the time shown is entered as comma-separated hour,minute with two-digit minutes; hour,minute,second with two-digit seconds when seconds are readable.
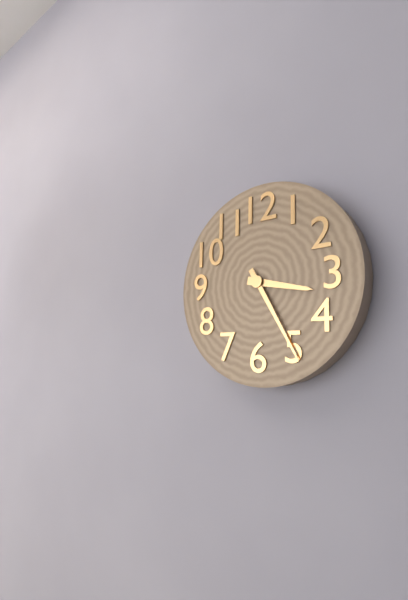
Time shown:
3,25
